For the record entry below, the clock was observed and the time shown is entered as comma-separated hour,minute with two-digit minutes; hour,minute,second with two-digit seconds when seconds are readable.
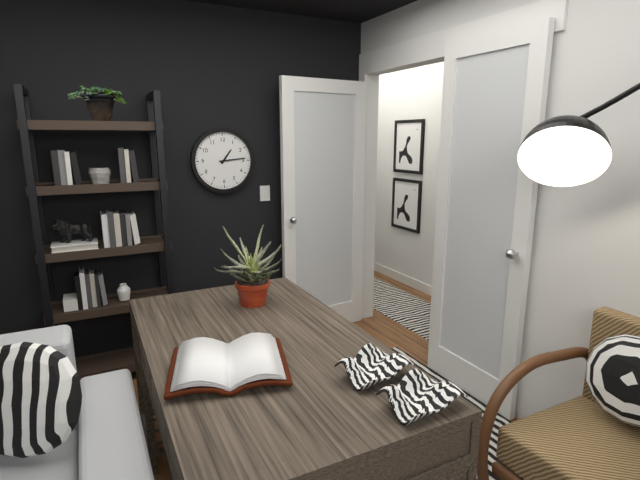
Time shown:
1,14
